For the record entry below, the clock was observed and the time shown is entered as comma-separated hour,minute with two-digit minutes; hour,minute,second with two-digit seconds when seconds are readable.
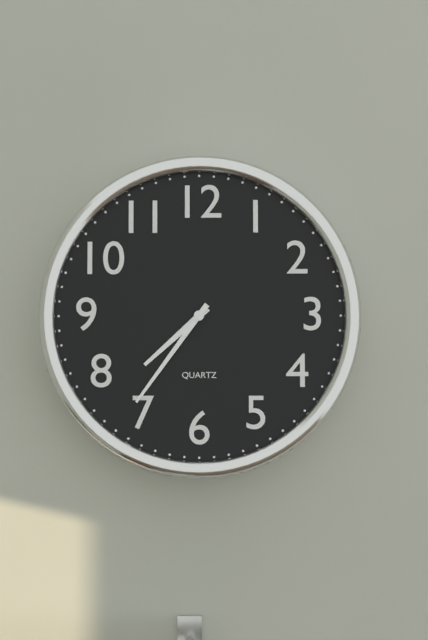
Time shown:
7,36
